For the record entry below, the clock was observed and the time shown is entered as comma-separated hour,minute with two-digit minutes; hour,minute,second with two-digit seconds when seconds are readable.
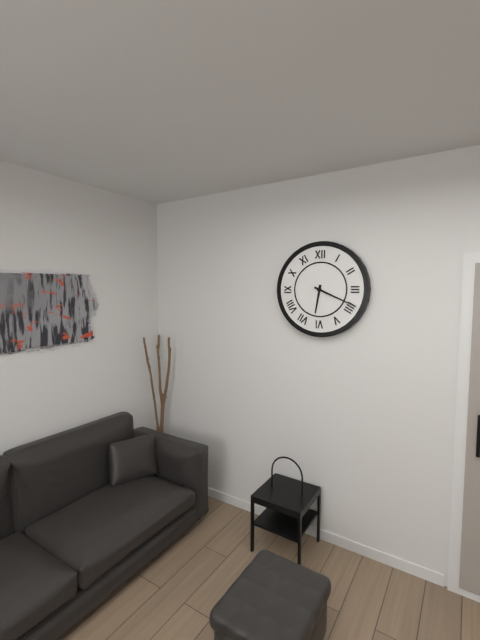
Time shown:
6,19
